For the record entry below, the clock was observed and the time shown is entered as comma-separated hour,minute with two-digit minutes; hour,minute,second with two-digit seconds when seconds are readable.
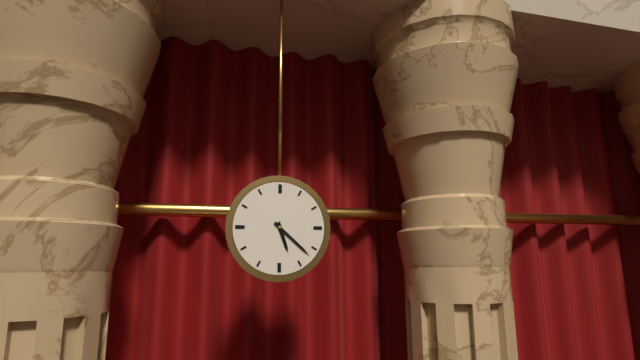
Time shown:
5,22
